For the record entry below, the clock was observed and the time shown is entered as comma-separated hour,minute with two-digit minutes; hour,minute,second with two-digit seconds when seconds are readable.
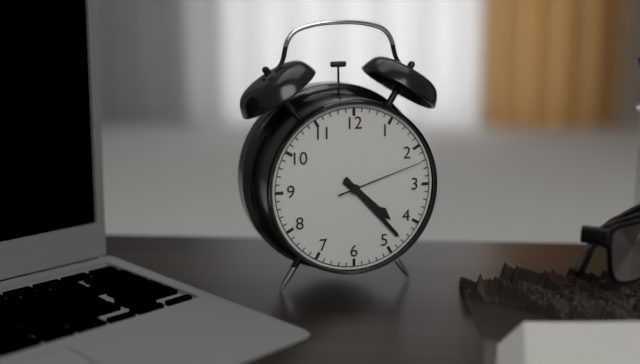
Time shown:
4,23,12
